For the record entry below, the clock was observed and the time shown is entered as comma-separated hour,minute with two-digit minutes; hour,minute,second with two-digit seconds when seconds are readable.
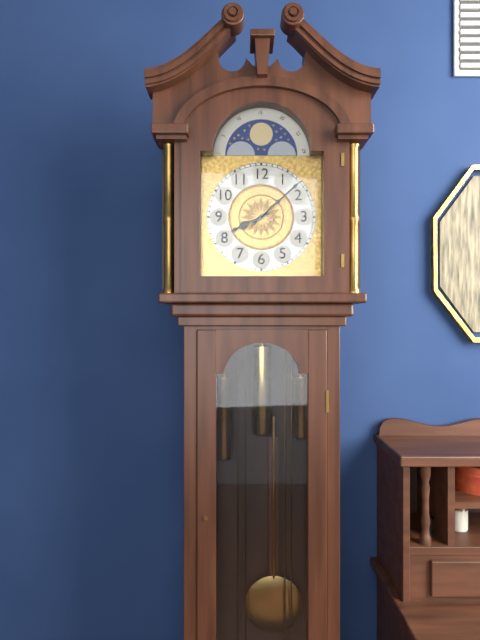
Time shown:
8,08
